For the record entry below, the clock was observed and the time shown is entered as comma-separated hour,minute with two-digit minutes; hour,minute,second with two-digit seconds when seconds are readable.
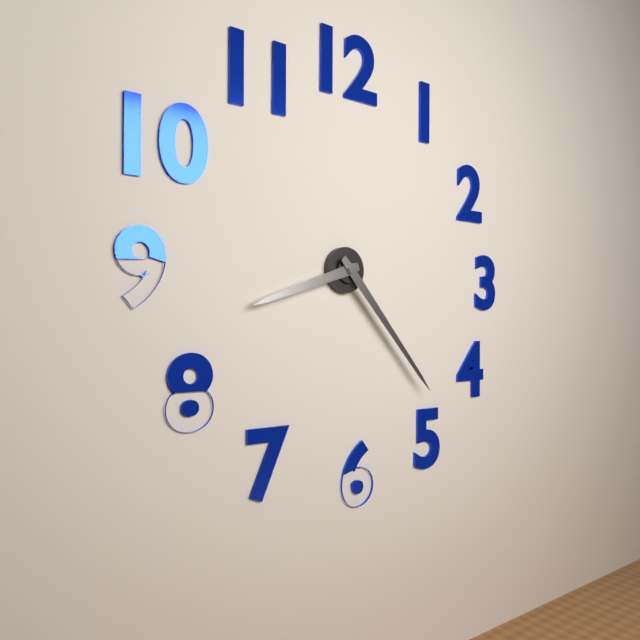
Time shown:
8,23
